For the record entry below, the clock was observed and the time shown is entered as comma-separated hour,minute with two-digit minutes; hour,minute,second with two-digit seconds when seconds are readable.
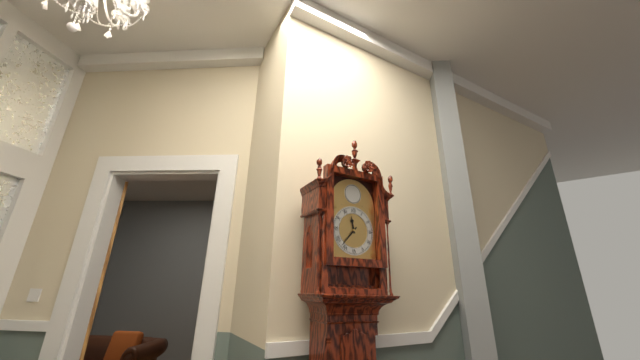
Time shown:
11,37
